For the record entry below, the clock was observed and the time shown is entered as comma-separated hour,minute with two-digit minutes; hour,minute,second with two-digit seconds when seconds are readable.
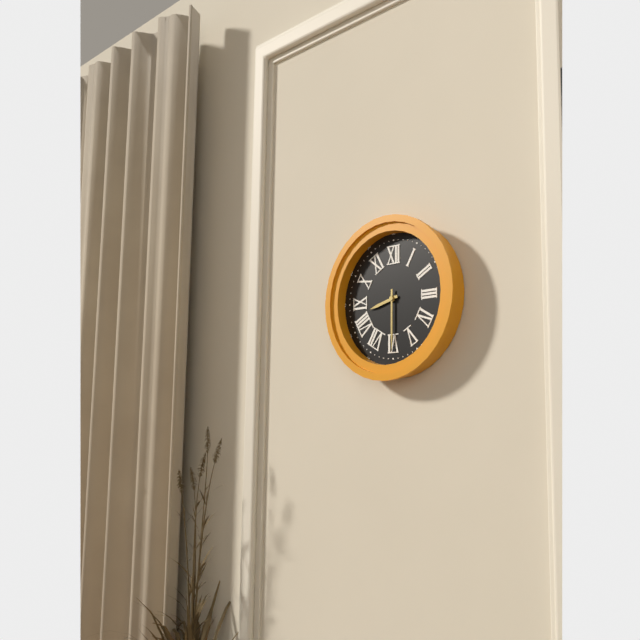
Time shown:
8,30
